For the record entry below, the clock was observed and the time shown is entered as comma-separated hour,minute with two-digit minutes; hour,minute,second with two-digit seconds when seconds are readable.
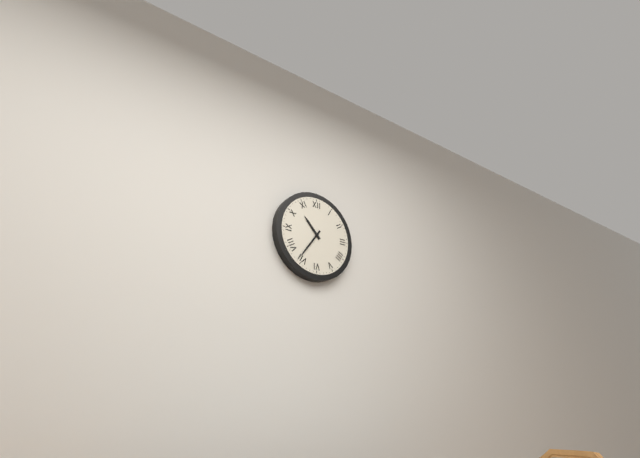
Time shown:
10,36
